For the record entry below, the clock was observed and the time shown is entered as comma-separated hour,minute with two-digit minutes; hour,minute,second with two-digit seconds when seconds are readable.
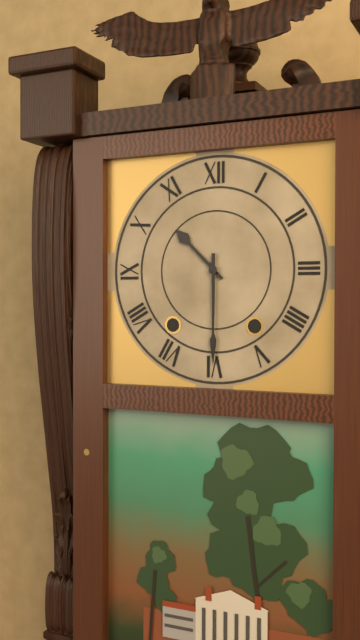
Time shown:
10,30
